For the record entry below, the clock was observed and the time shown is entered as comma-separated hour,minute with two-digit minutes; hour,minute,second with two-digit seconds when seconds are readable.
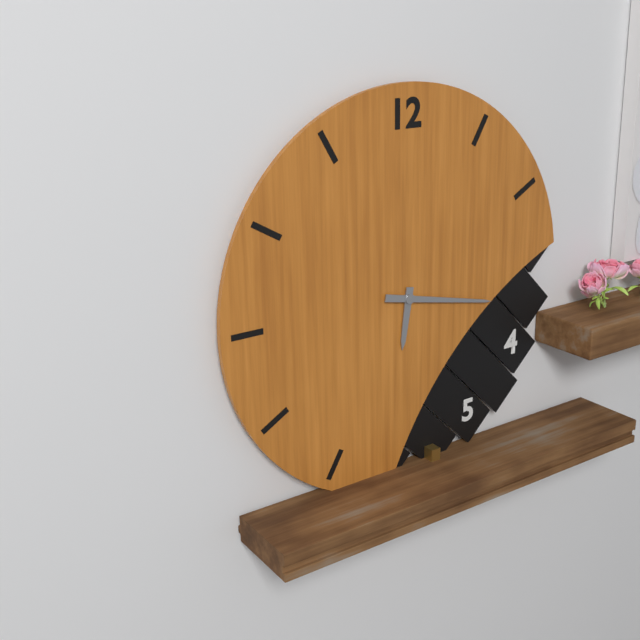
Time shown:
6,17
